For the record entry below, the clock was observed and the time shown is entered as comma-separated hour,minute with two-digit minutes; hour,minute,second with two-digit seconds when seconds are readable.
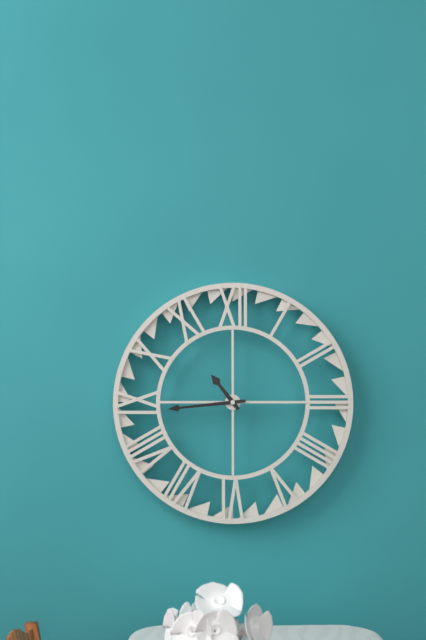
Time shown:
10,44
